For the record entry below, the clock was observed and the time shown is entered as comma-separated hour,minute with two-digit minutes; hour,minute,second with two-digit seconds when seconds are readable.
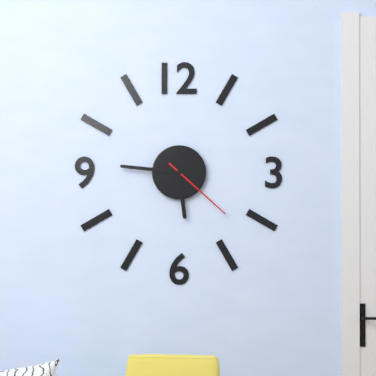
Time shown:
5,46,22
